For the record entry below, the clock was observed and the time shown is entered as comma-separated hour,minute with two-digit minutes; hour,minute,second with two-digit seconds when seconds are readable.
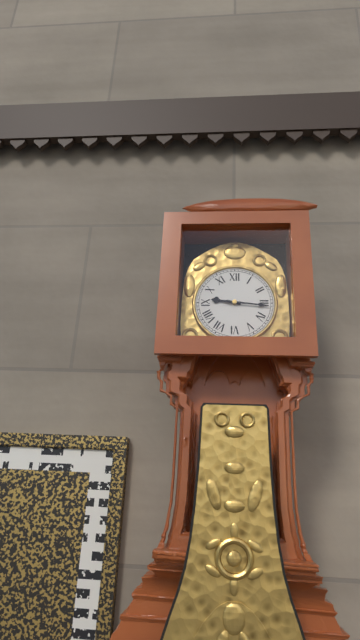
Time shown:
9,16
